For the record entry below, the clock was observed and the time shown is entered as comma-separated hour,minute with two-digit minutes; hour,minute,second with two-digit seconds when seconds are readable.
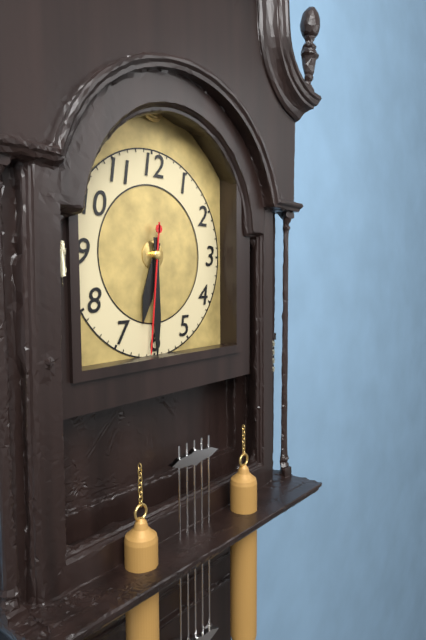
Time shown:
6,30,31
